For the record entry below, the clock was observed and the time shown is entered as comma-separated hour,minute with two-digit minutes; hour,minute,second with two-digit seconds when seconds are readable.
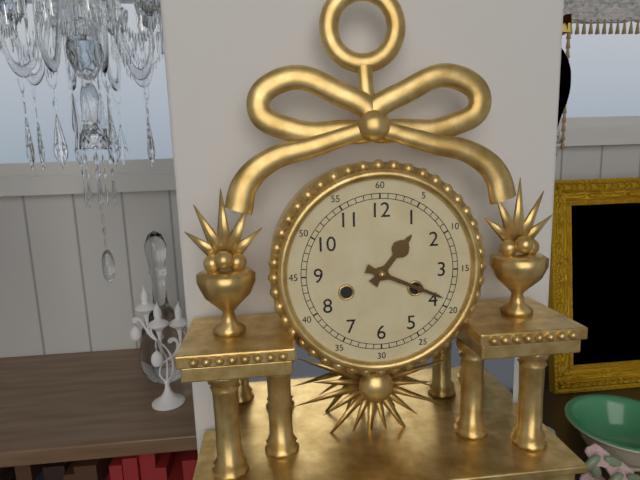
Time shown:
1,19
